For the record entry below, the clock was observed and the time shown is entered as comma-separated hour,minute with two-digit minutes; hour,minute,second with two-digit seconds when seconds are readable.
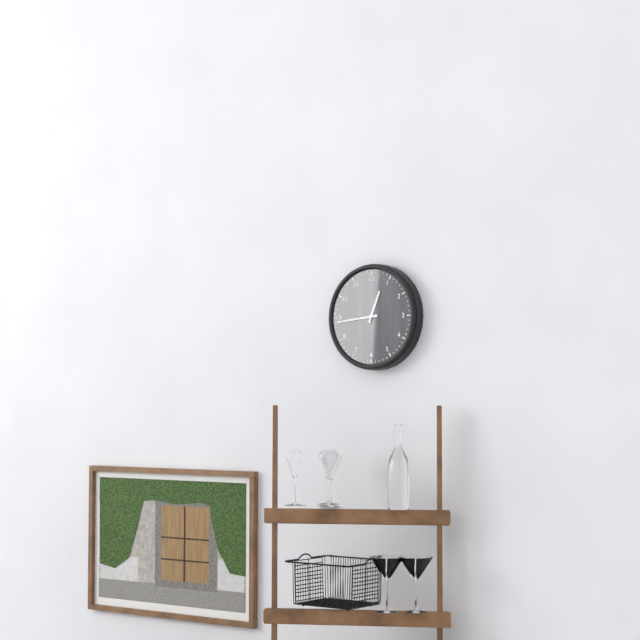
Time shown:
12,44
